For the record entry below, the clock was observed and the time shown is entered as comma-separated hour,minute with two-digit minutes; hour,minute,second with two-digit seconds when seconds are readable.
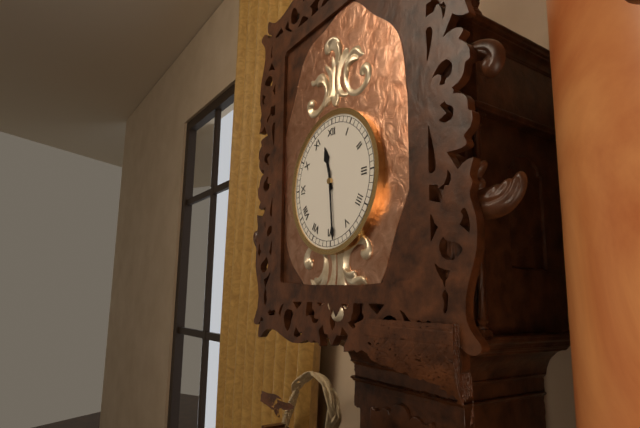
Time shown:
11,29
